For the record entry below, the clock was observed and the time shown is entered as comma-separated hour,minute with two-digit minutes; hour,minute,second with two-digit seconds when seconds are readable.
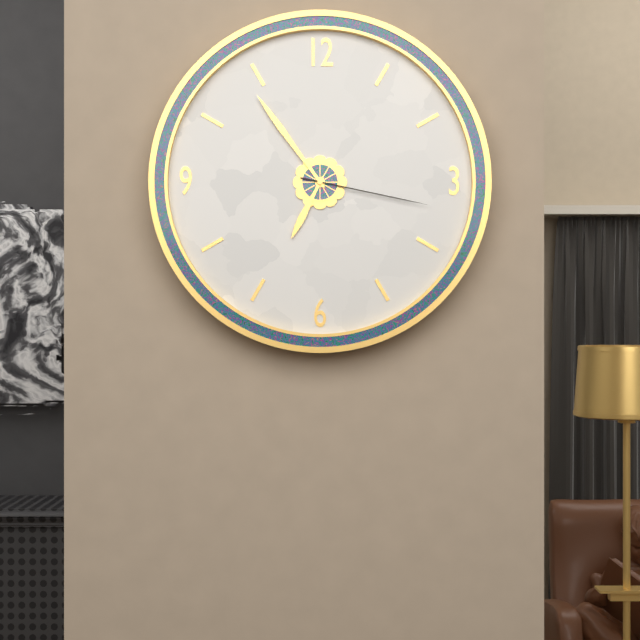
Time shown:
6,54,17
